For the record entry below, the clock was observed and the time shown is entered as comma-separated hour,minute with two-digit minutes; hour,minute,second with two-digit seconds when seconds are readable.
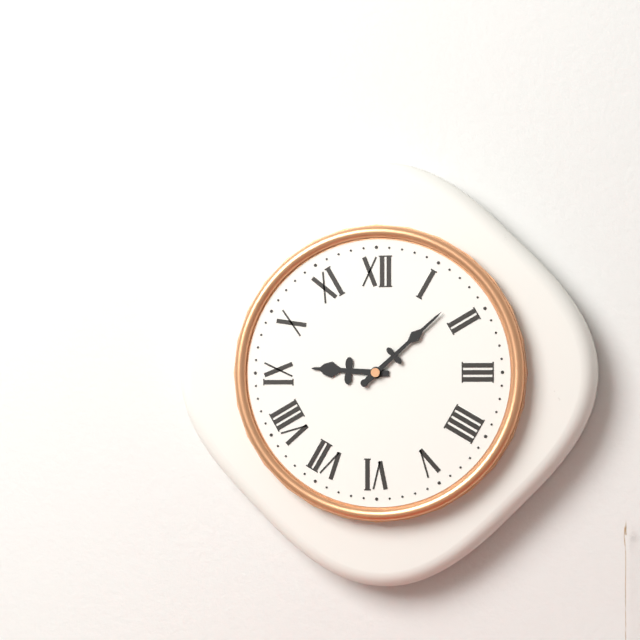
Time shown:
9,08
